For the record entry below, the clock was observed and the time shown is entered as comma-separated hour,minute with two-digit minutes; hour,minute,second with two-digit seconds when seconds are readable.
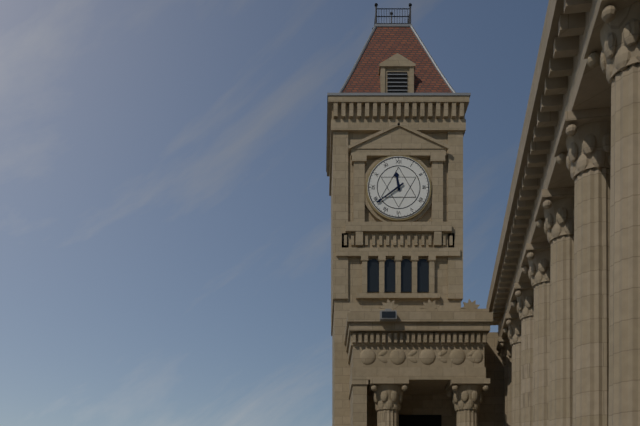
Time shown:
11,39
